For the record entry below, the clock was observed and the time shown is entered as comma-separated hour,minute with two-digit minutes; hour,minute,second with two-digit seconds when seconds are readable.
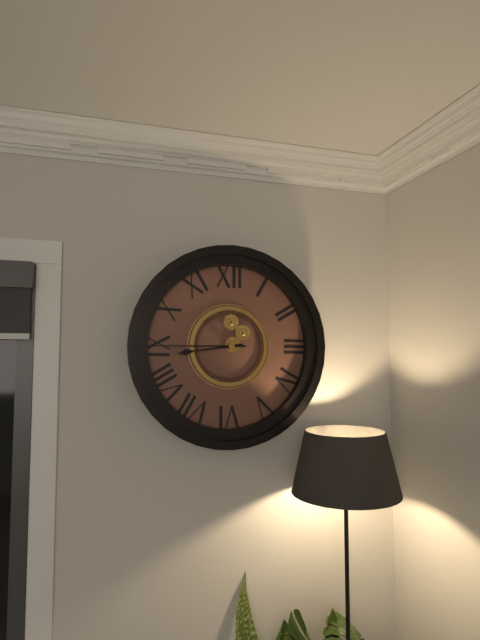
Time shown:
8,45
